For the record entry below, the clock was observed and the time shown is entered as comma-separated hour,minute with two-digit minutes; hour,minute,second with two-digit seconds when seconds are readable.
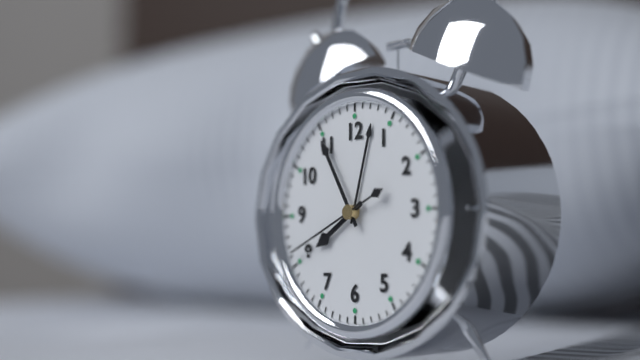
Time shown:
7,55,41
